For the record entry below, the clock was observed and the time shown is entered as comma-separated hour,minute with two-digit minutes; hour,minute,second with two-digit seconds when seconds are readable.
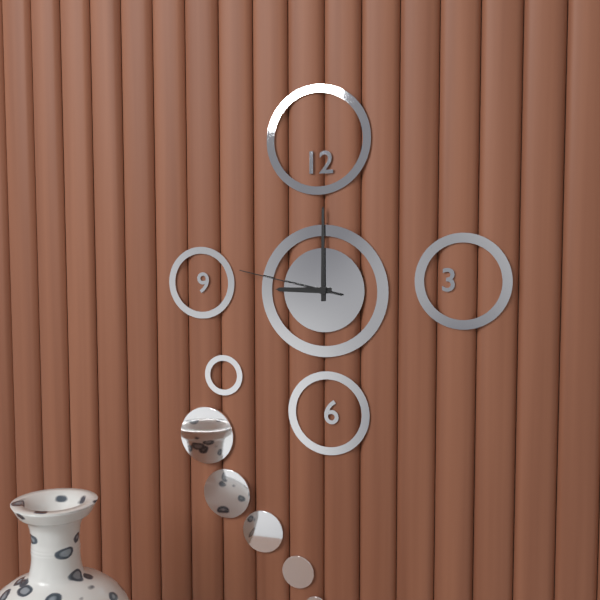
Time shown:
9,00,47
